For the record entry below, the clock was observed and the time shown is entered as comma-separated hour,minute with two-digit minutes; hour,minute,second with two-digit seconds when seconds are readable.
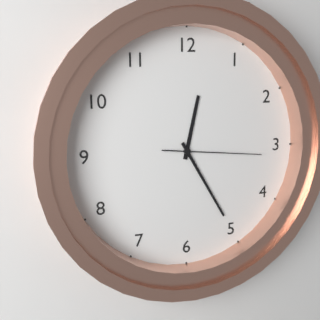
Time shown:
12,25,16
